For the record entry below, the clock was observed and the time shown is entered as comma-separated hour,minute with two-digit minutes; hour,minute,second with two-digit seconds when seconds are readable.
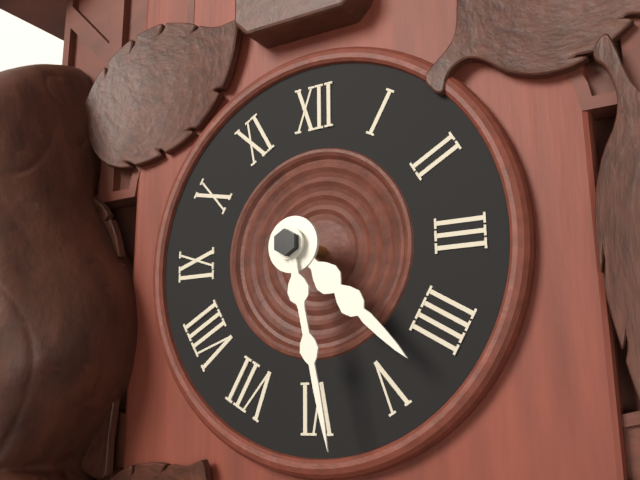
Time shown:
4,28
